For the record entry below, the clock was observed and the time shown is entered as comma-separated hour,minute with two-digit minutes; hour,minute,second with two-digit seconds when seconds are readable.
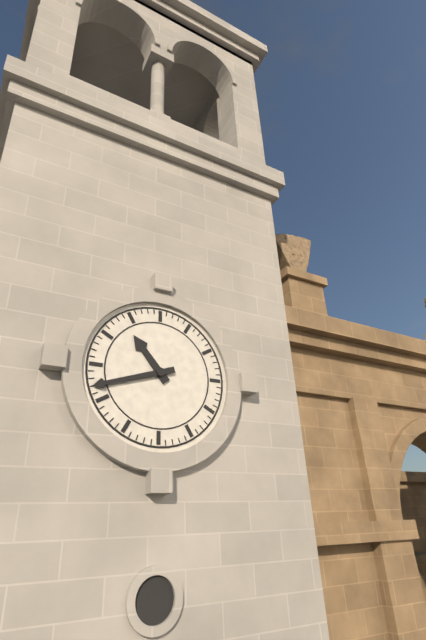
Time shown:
10,42
